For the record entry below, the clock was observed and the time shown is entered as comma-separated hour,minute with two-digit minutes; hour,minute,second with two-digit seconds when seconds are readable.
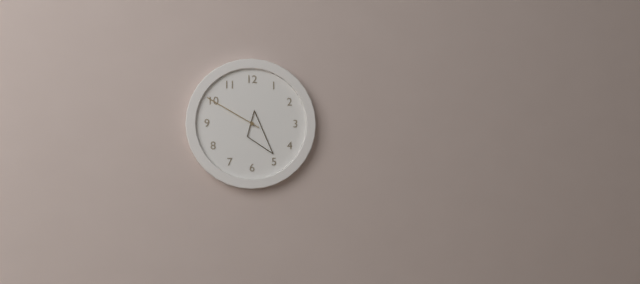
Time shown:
4,50
